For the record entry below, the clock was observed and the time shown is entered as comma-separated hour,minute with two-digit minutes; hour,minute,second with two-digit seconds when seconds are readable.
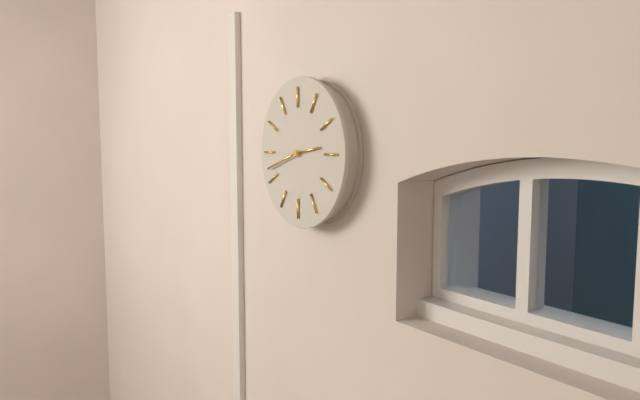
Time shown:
2,42
